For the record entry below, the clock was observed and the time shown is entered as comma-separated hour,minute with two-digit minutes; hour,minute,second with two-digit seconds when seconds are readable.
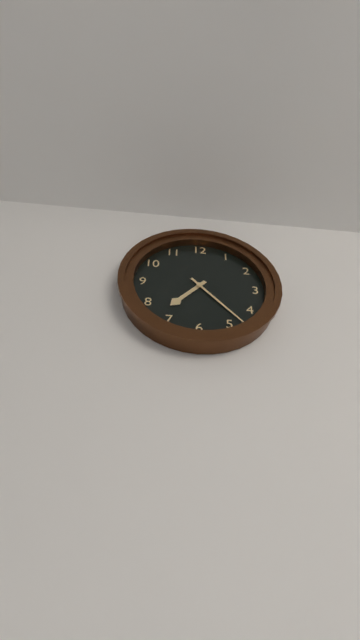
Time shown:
7,23
